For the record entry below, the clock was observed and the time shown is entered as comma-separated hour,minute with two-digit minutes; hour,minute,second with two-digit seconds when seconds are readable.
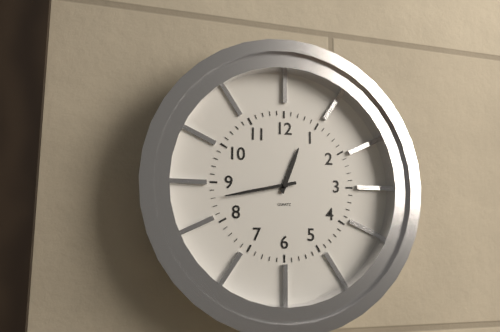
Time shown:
12,43
